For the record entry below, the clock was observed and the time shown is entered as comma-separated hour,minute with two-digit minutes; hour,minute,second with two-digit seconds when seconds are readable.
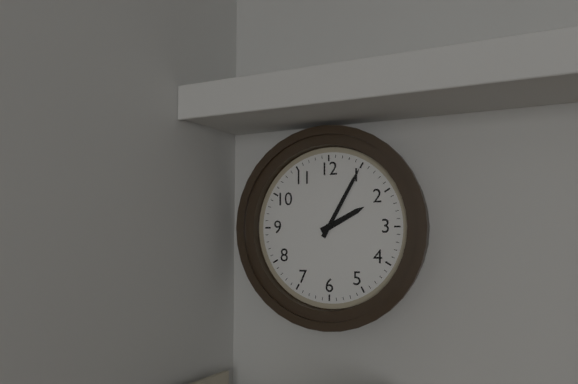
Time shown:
2,05
